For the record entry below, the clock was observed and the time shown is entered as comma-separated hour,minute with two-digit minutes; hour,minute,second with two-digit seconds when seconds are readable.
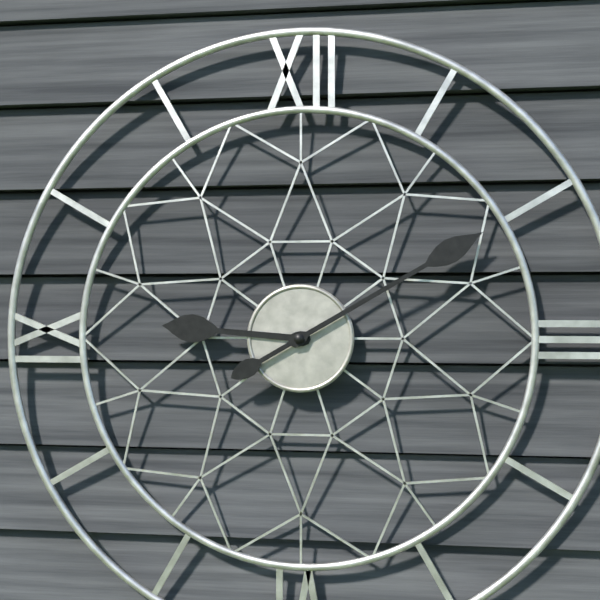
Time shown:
9,10
